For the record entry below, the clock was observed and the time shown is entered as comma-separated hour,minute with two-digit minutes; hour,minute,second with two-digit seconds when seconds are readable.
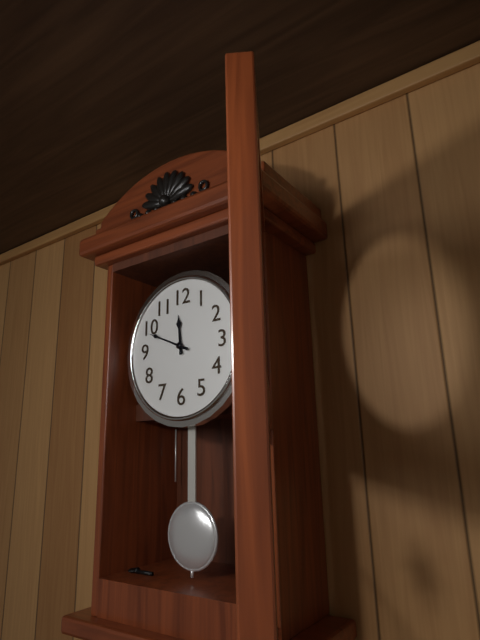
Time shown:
11,49
